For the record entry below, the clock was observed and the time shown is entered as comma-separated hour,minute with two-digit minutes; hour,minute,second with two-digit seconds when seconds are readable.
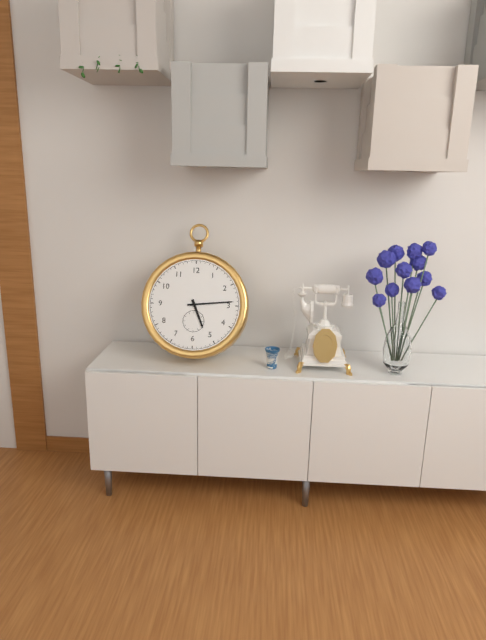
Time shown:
5,14
